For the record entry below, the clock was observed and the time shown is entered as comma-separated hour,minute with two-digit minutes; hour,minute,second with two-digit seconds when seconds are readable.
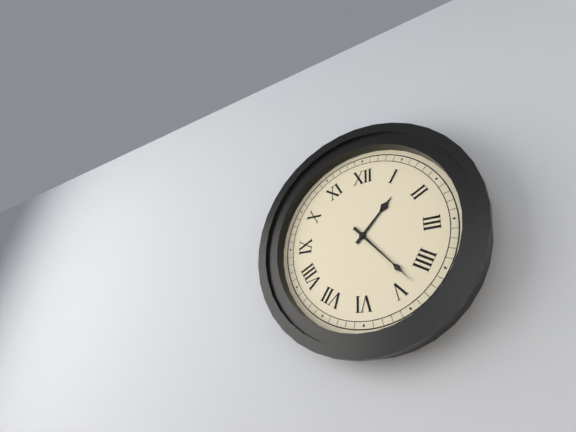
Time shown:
1,23
